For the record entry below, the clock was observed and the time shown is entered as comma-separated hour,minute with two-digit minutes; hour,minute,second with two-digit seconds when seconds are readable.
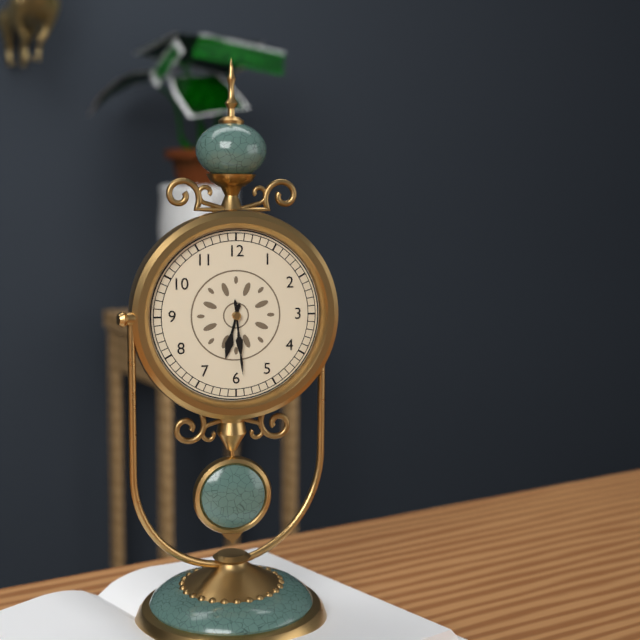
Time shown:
6,29
